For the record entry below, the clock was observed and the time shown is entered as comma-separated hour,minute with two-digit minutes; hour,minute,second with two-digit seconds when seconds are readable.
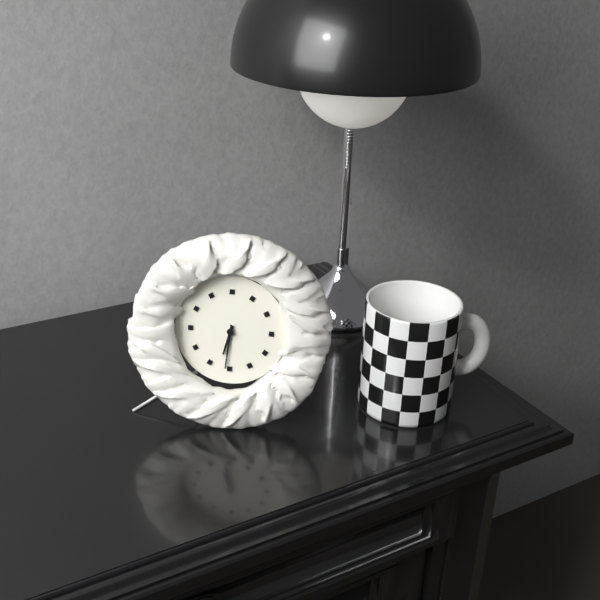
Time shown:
6,31
